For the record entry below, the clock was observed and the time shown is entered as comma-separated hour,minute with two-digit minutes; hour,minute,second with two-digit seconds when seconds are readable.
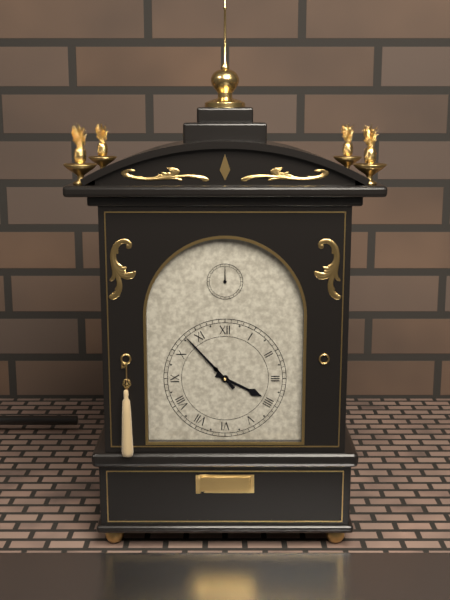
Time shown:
3,53
